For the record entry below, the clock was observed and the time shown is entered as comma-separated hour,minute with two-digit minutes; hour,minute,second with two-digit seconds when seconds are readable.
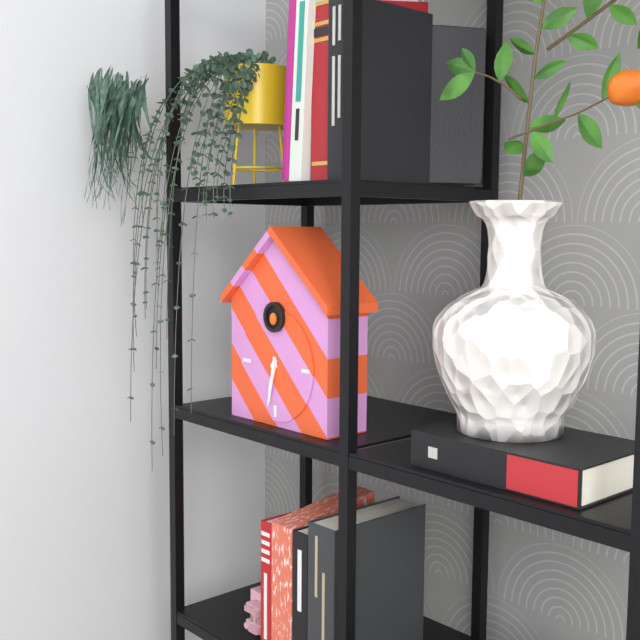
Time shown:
6,32
